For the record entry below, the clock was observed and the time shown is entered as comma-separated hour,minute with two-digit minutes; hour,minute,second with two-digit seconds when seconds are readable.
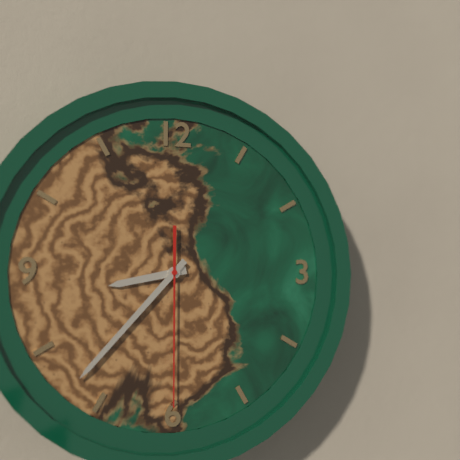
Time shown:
8,37,30
